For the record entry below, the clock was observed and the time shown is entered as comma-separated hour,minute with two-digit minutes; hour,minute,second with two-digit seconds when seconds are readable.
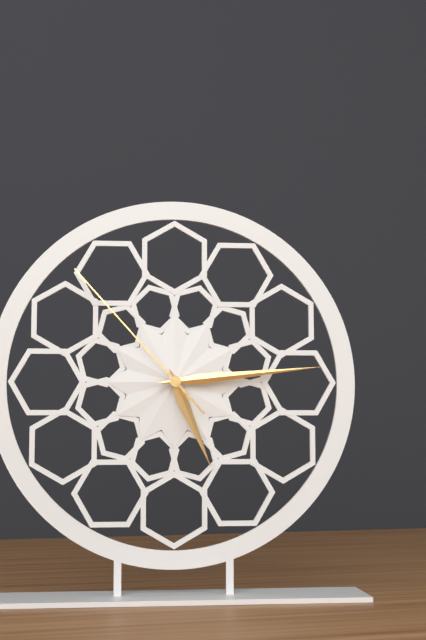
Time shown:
5,14,53
